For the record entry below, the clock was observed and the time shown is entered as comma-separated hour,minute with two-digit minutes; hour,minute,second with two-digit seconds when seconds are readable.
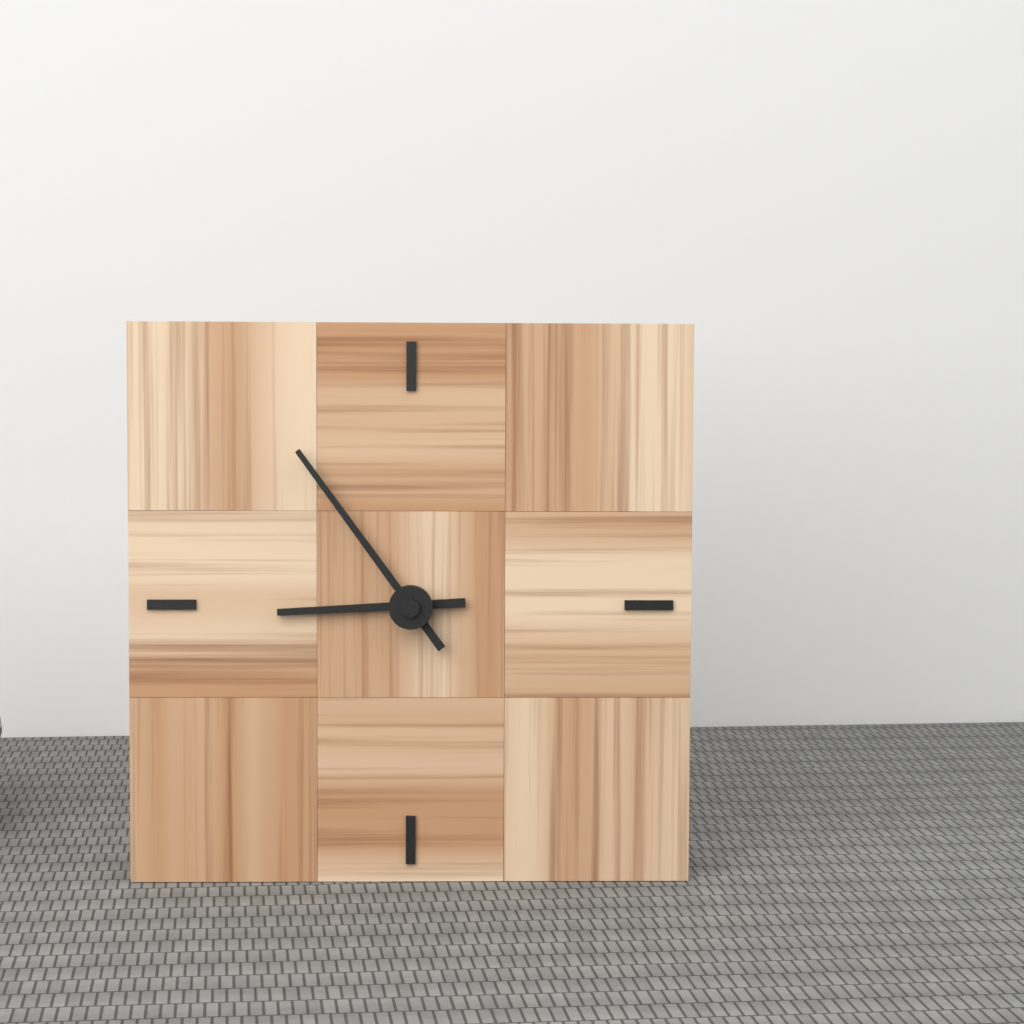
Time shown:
8,54
